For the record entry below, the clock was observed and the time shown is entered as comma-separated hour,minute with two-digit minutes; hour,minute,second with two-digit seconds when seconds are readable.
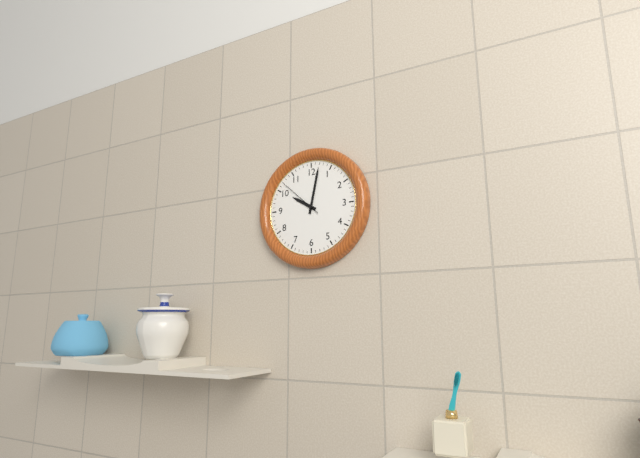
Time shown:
10,02
